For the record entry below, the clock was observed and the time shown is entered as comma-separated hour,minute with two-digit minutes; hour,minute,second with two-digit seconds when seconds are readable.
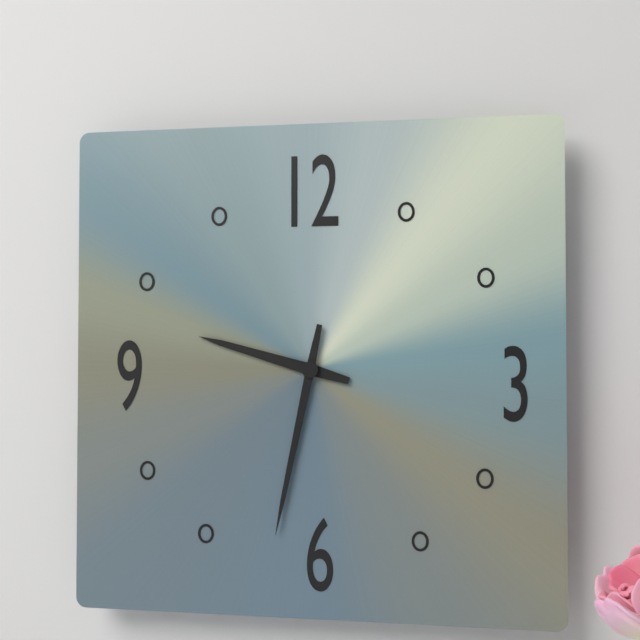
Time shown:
9,32
